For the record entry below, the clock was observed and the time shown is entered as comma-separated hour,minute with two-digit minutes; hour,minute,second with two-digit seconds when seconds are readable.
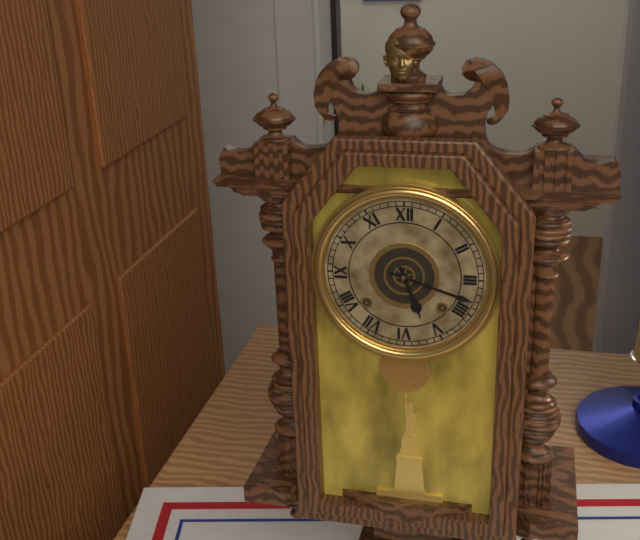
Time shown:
5,18
